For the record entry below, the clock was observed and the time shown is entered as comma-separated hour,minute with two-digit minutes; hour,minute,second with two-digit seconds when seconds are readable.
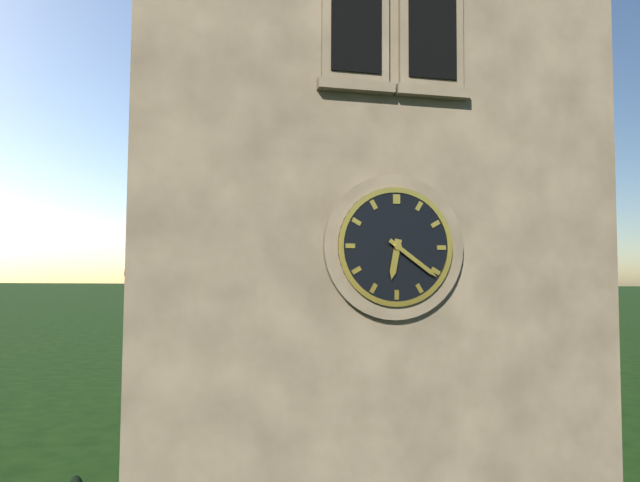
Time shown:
6,21
